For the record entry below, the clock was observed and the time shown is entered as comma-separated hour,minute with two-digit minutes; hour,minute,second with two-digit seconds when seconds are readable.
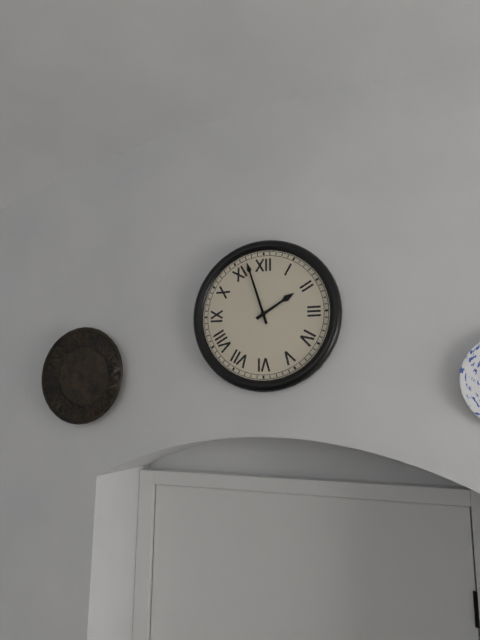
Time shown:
1,57
